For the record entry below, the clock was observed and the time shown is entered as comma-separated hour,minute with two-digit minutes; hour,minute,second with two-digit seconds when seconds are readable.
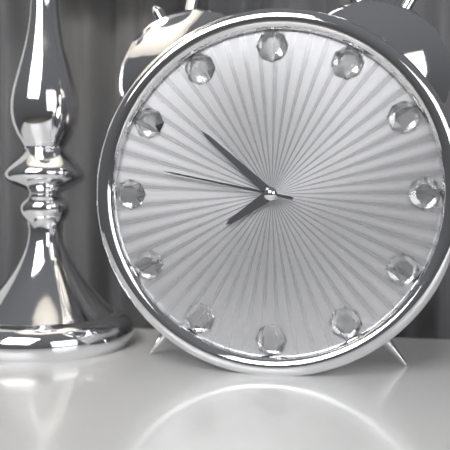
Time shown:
7,52,47
